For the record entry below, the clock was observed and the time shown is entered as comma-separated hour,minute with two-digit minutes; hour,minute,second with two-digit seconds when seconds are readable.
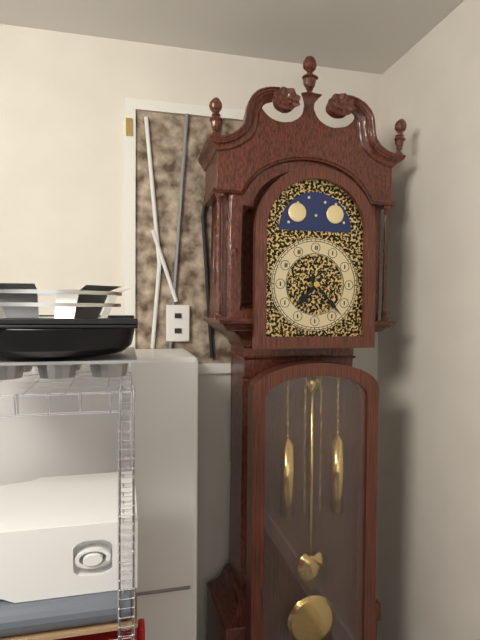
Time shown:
7,23
